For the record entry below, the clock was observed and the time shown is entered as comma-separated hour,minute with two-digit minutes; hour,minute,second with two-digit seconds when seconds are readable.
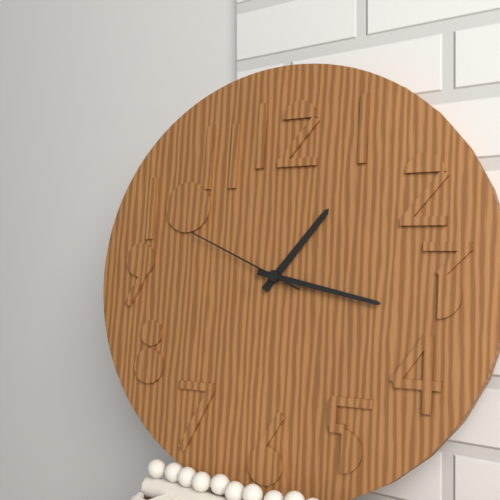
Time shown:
1,17,49
